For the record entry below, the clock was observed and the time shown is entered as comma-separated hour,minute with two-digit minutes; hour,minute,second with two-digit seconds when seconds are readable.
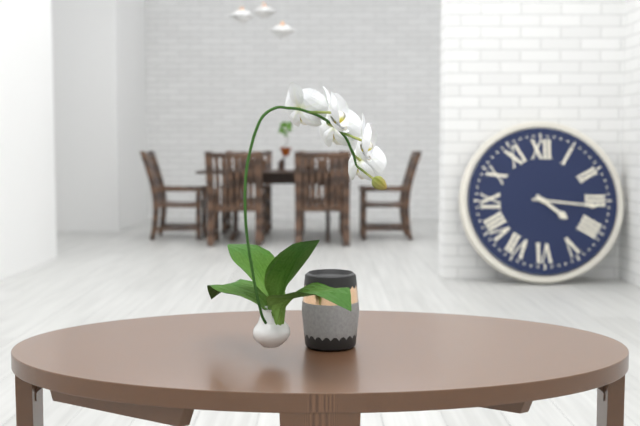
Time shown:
4,16
